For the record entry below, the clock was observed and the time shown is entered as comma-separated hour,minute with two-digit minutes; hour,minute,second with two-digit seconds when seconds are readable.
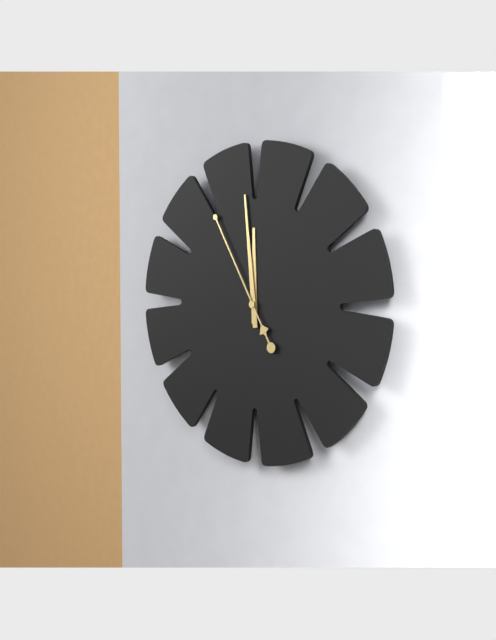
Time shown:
11,59,55
